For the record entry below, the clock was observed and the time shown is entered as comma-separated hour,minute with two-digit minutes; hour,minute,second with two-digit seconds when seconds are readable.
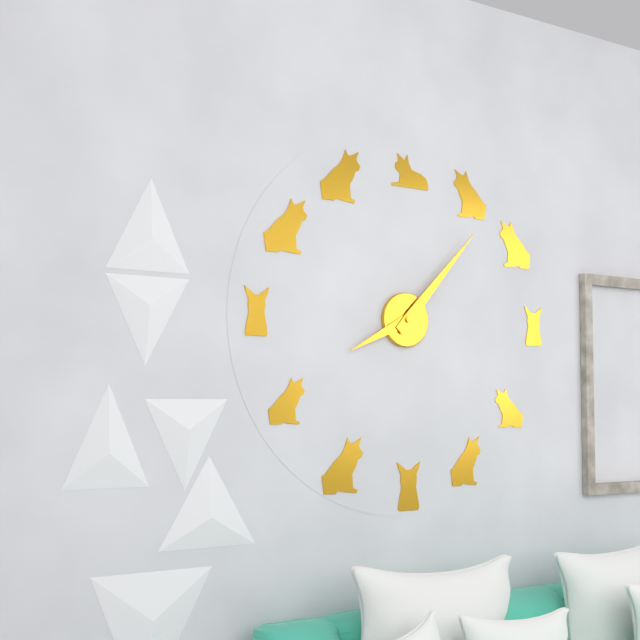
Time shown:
8,07
